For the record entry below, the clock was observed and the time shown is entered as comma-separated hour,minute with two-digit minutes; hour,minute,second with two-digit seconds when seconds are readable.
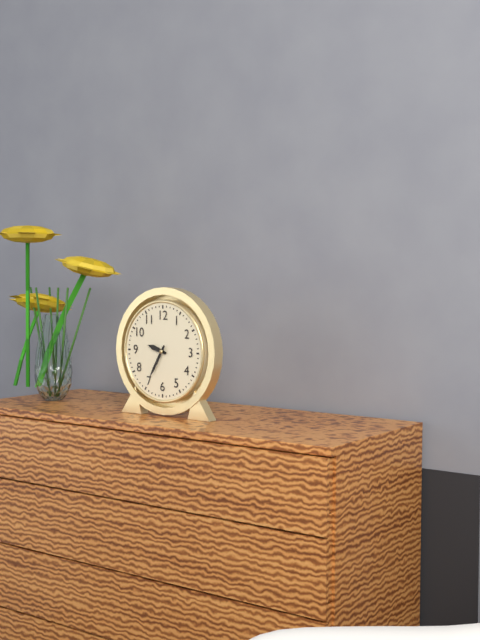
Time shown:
9,35
